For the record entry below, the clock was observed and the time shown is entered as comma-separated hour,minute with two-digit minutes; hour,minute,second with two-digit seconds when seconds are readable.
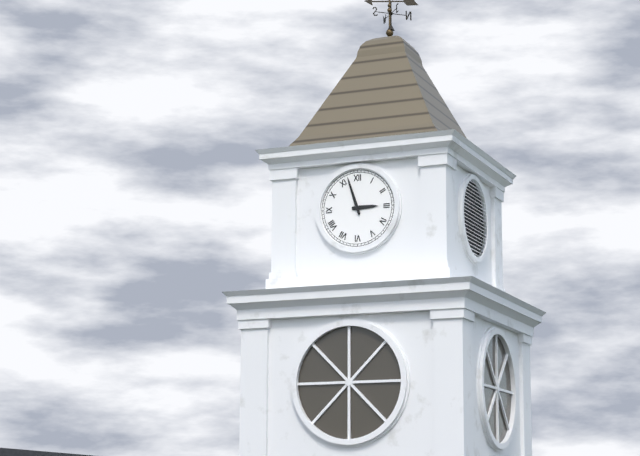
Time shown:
2,57
